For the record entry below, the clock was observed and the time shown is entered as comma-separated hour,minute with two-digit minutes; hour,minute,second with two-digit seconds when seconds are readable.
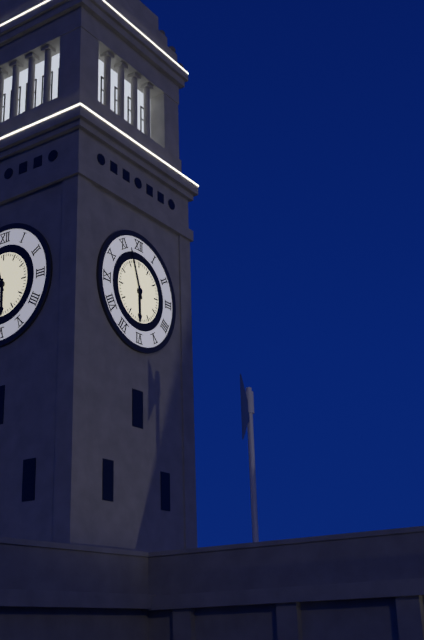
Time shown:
5,57
